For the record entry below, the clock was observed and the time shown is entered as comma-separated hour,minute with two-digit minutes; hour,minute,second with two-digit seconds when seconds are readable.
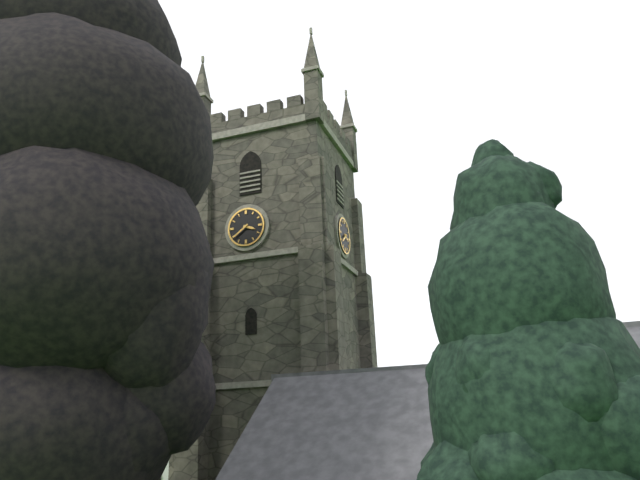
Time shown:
3,39
